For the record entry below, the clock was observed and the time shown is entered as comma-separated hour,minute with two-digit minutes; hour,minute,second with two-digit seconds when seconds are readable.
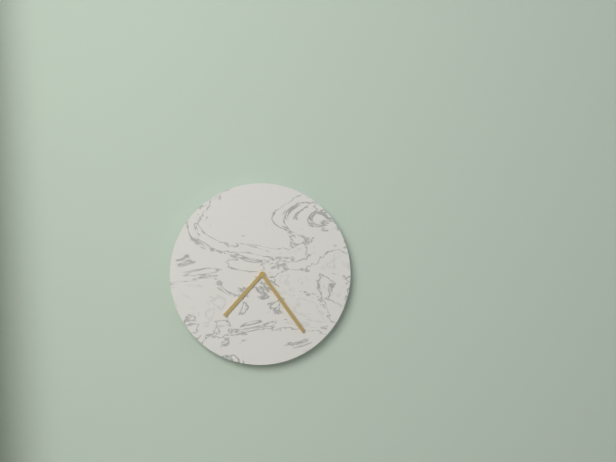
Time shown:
7,24
